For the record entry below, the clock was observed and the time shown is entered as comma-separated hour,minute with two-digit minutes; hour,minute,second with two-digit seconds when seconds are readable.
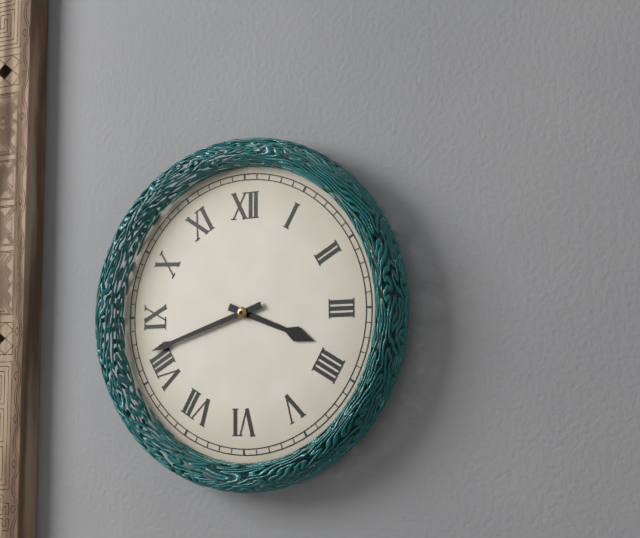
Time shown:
3,42
